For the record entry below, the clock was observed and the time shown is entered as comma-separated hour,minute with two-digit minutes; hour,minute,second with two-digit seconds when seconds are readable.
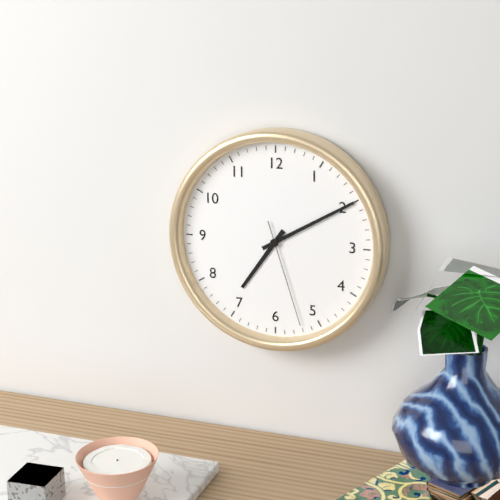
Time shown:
7,10,27
